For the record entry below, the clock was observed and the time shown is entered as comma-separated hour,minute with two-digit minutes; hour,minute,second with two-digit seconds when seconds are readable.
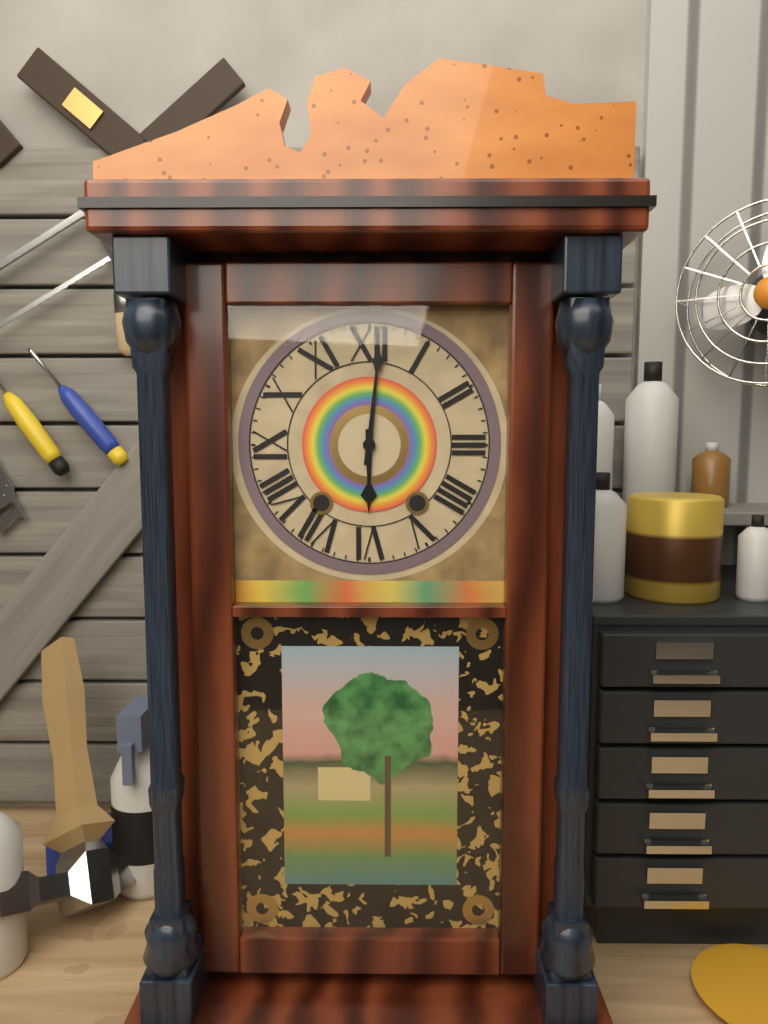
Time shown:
6,01
